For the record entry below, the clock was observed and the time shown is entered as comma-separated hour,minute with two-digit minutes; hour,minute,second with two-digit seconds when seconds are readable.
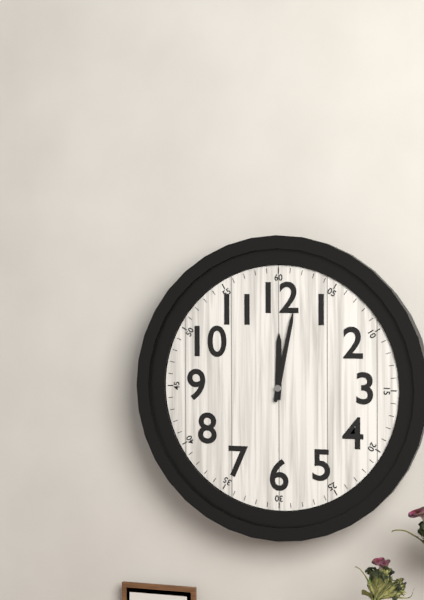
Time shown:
12,02
